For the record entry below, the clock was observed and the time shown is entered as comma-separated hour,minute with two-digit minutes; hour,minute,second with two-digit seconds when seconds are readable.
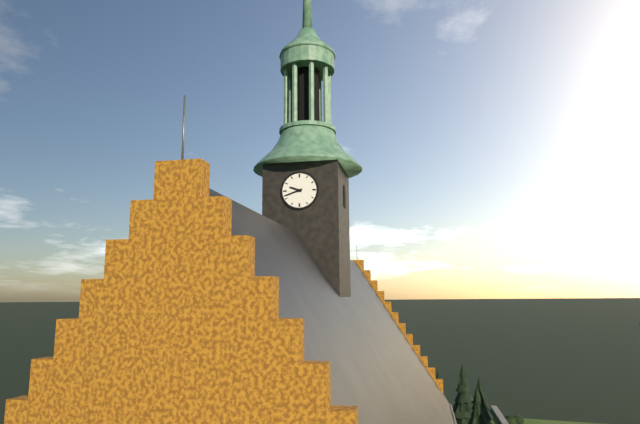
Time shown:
9,42
